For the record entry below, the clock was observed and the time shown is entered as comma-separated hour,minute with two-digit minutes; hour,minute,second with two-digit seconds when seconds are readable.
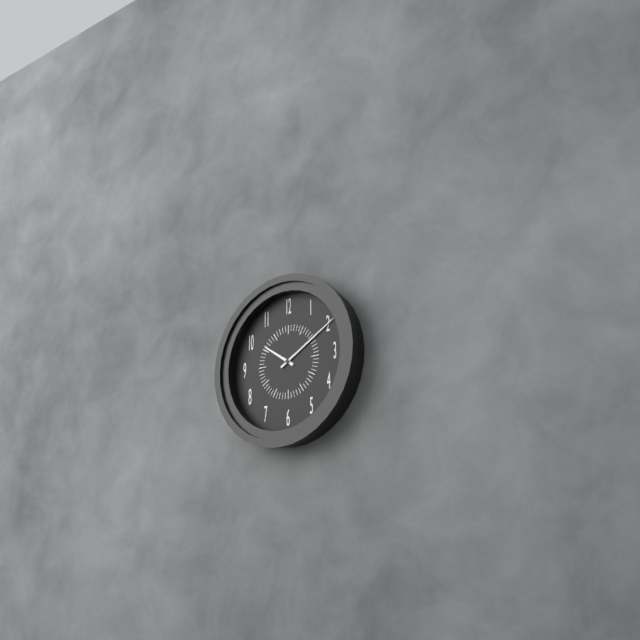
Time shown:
10,10
